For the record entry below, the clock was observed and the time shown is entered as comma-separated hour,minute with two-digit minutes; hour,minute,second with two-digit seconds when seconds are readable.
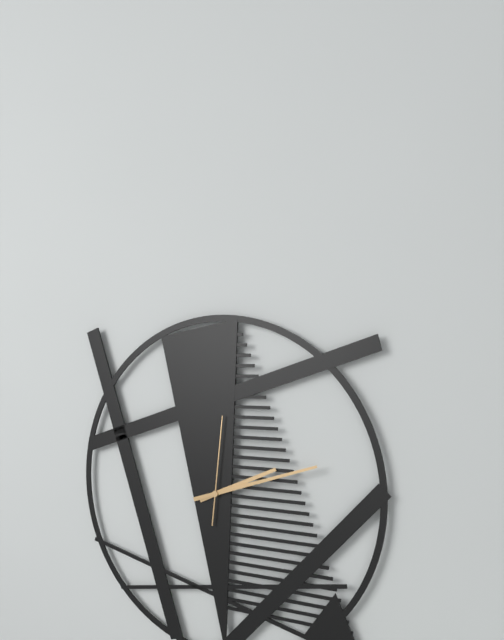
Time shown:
2,12,01
